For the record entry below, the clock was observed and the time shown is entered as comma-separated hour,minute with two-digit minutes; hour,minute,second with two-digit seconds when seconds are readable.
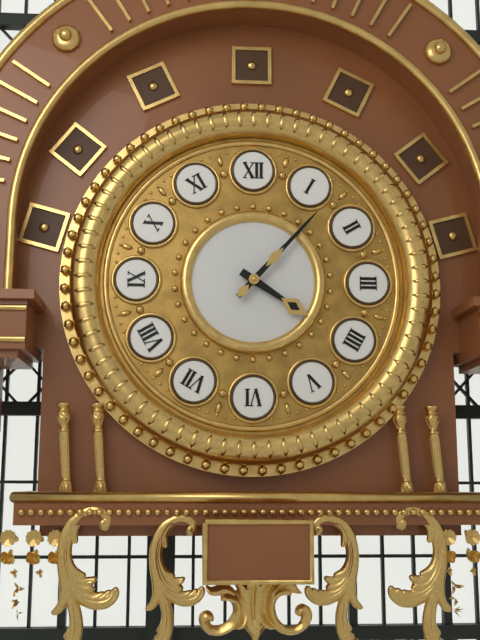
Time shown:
4,07
